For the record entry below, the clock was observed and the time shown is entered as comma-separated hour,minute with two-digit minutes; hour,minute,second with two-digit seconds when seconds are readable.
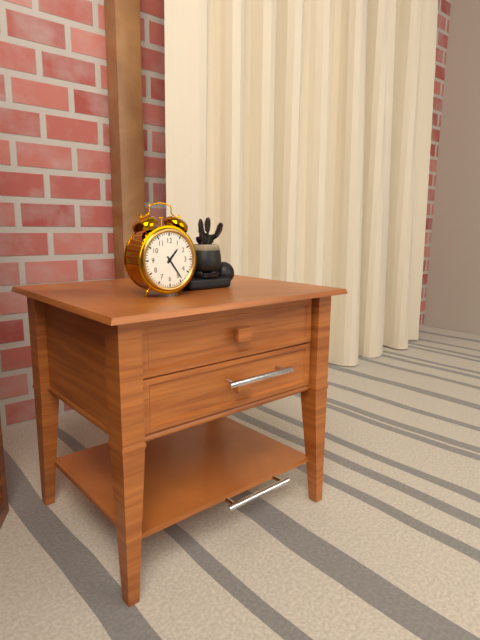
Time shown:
1,24
